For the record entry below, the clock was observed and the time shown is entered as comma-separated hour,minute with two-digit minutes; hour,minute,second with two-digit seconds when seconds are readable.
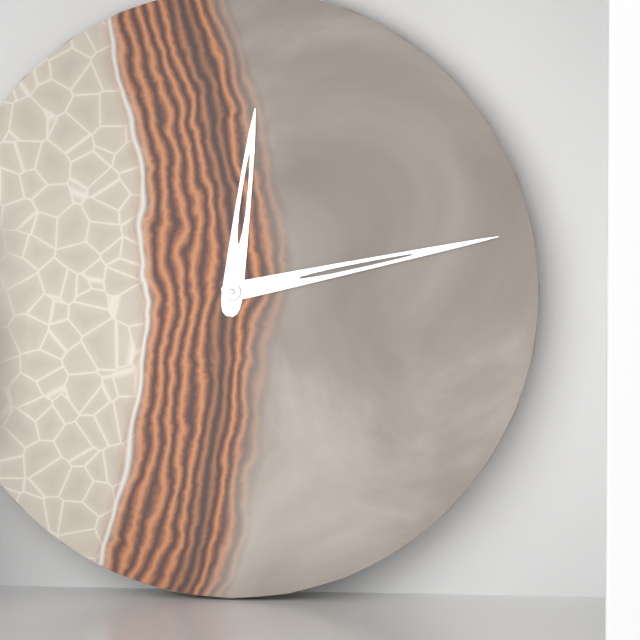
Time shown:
12,13
